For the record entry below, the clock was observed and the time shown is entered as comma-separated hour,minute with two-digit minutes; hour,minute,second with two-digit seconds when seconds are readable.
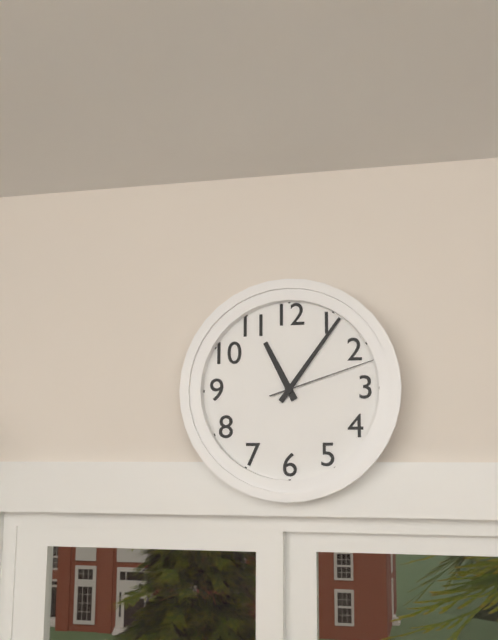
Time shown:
11,06,12
